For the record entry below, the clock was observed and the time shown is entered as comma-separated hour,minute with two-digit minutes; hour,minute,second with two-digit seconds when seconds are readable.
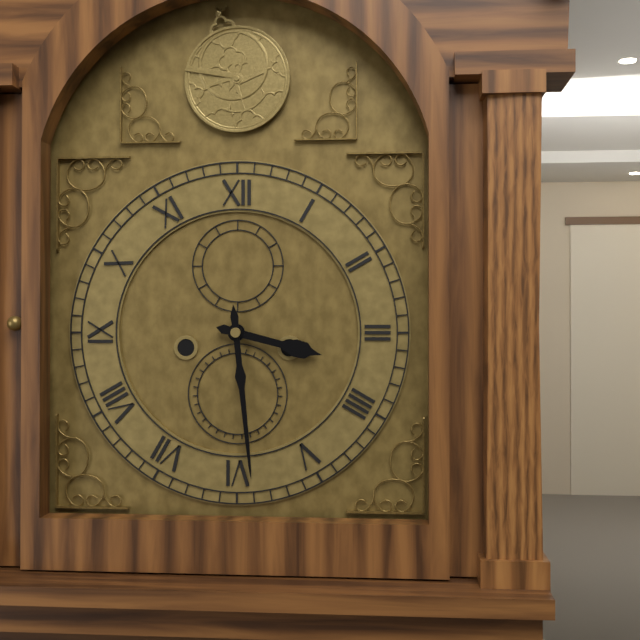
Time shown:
3,29
